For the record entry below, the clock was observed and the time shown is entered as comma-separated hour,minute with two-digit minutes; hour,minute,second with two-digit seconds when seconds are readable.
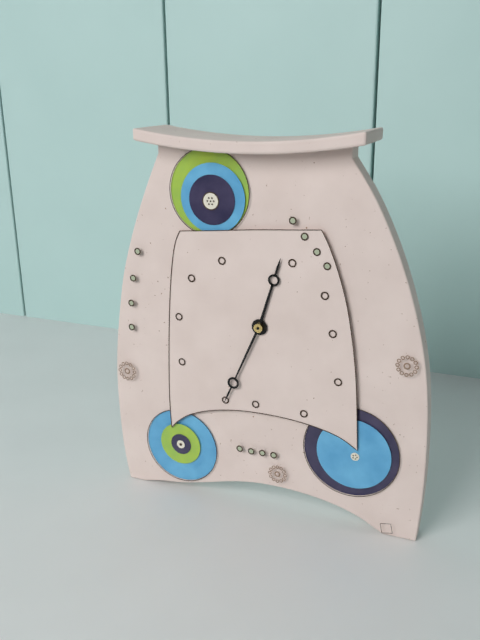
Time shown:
12,34
